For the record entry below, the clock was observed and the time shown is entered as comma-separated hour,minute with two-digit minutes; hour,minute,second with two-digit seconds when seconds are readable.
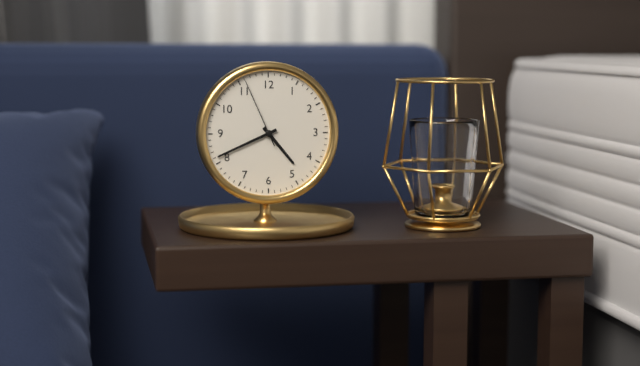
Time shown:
4,41,56
